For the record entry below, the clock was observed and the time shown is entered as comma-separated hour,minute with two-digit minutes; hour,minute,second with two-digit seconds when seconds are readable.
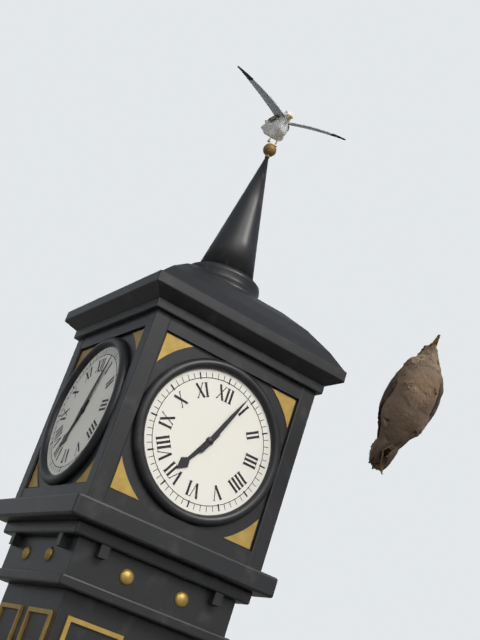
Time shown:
7,04
